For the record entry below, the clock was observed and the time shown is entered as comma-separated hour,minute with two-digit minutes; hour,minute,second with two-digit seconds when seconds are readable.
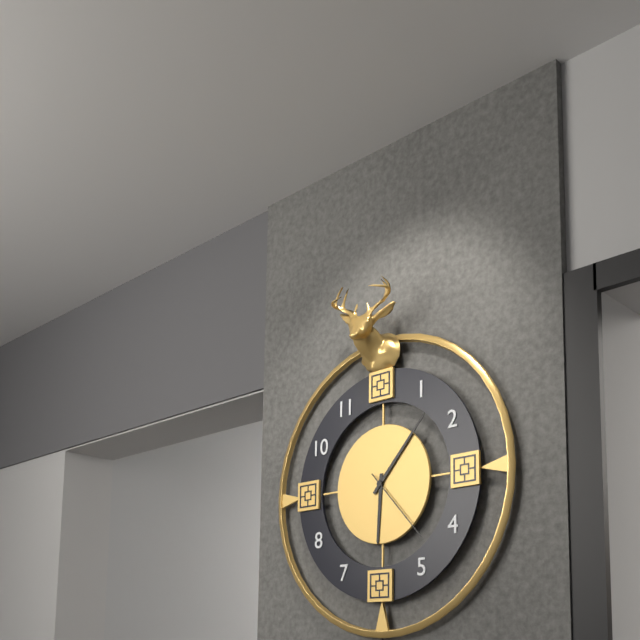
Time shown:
6,07,23
